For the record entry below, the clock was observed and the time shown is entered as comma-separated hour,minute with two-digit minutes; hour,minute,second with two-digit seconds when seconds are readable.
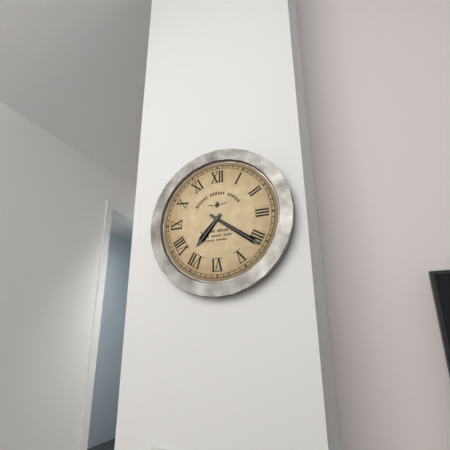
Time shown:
7,21
